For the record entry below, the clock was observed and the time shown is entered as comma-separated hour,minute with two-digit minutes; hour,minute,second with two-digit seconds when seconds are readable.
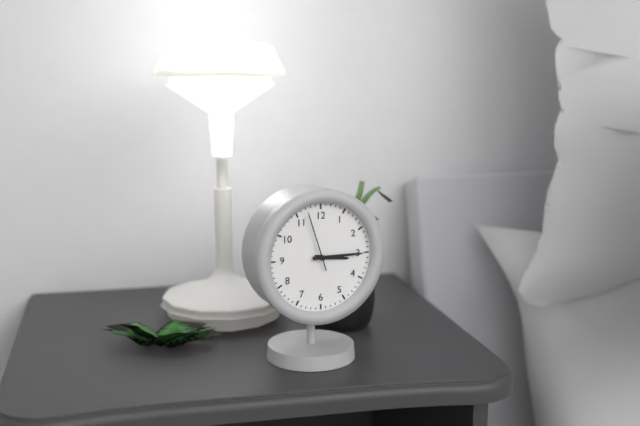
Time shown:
3,15,57
